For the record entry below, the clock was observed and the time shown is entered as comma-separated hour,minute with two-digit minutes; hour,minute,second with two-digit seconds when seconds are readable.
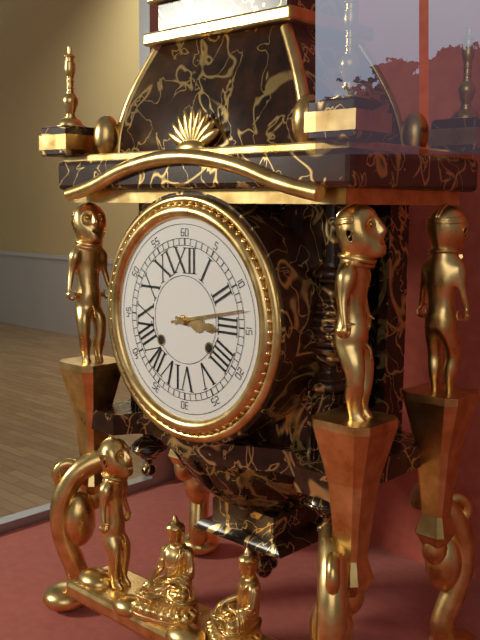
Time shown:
3,13
